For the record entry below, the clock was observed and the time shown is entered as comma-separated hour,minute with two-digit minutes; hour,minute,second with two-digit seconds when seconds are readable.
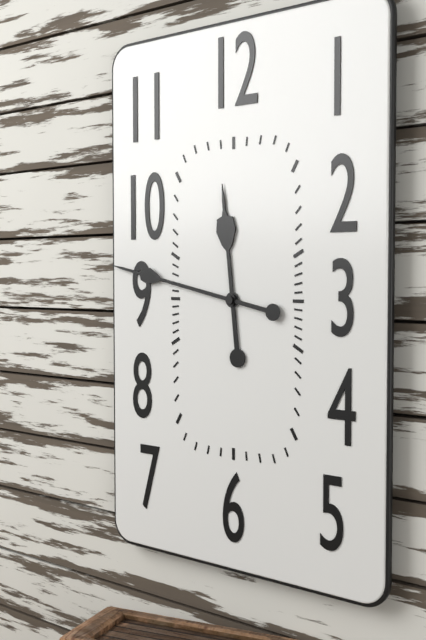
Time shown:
11,47
